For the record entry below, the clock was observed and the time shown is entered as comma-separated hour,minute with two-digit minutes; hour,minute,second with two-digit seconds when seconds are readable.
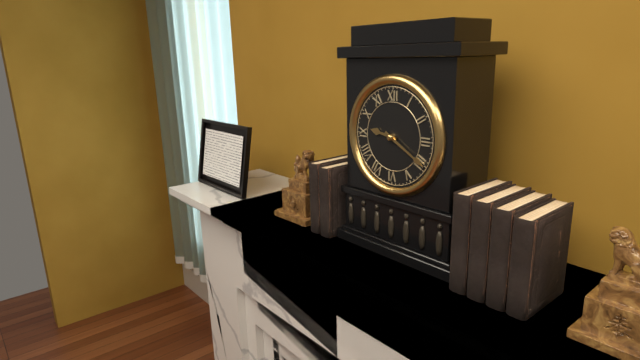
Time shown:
9,20
